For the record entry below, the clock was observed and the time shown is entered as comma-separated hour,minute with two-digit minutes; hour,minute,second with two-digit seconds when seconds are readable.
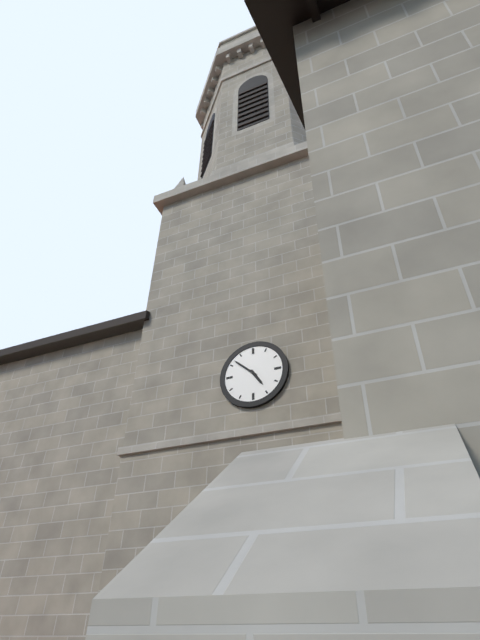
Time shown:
4,52
